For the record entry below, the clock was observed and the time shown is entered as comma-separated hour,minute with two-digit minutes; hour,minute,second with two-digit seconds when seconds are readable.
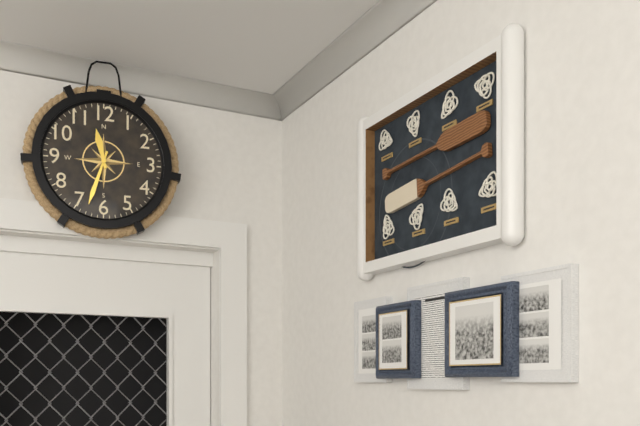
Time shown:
11,33
